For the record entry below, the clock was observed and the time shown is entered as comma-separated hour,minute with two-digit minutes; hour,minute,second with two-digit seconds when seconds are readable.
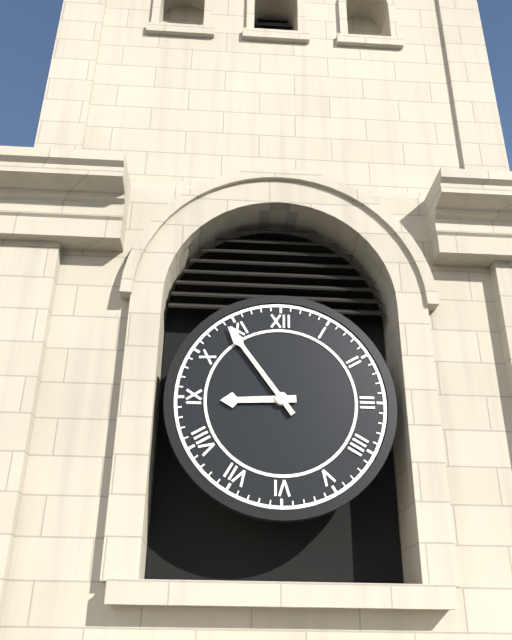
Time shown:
8,54
